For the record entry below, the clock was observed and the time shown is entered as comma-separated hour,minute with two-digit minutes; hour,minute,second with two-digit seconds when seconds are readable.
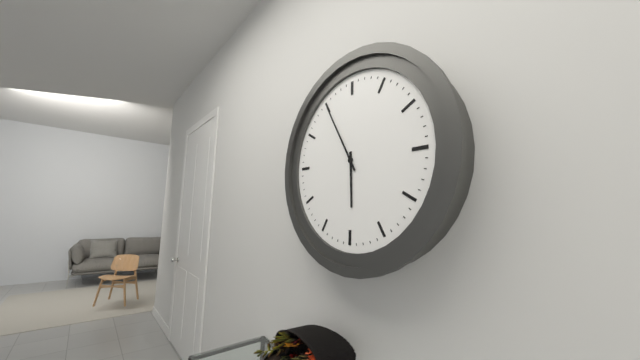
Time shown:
5,55
